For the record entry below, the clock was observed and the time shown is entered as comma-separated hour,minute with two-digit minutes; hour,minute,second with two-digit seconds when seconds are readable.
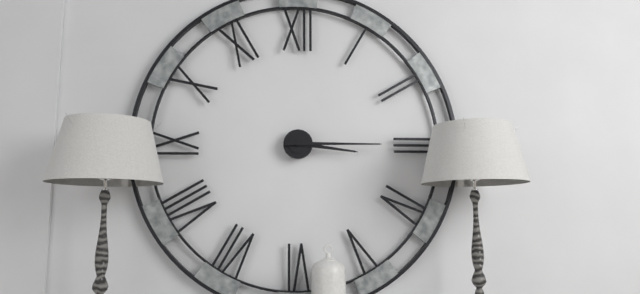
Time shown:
3,15
